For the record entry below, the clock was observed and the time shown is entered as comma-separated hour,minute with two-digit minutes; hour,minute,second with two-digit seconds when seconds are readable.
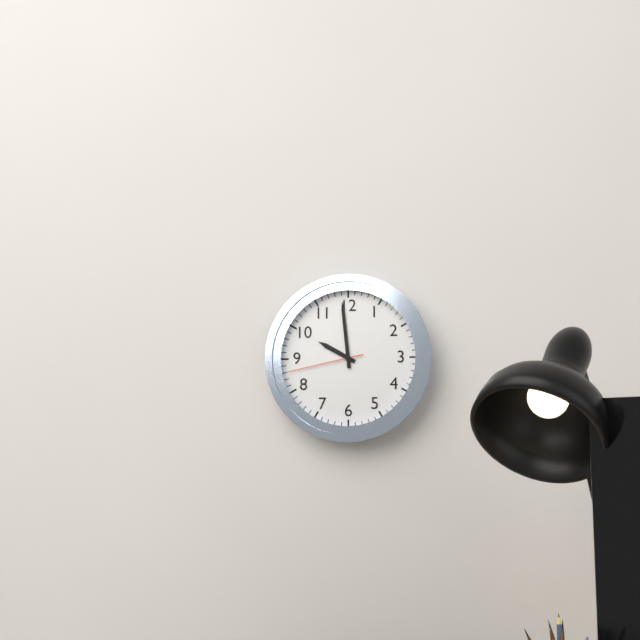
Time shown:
9,59,43
